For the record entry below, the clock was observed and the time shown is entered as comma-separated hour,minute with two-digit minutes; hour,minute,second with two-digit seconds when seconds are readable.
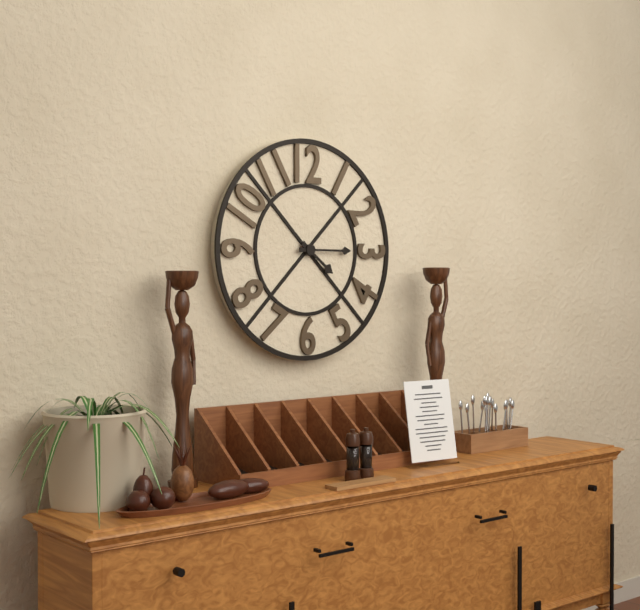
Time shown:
4,15
